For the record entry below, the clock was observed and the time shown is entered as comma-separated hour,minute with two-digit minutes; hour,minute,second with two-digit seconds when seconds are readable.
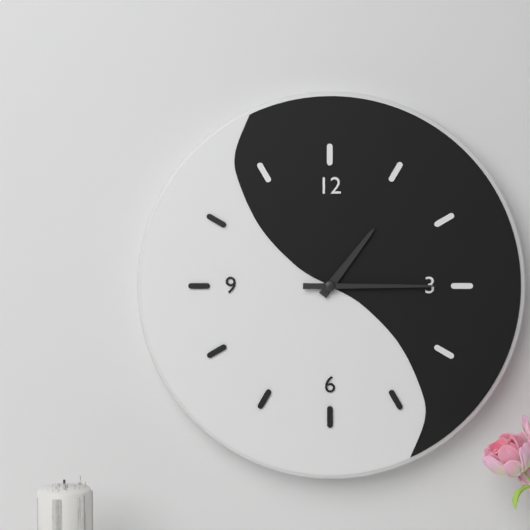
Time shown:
1,15
